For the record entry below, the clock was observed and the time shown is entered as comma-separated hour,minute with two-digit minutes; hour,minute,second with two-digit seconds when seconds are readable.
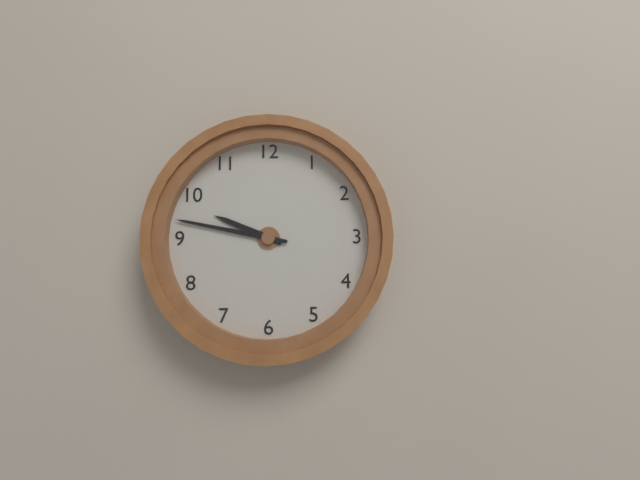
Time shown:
9,47
